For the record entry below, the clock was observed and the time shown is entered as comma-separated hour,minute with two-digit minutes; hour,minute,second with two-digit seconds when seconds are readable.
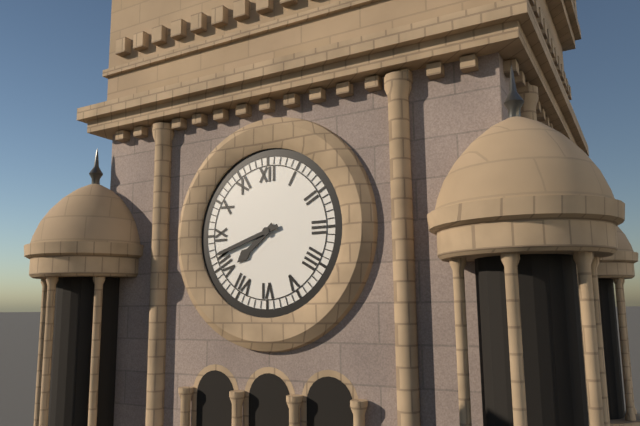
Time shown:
7,42
